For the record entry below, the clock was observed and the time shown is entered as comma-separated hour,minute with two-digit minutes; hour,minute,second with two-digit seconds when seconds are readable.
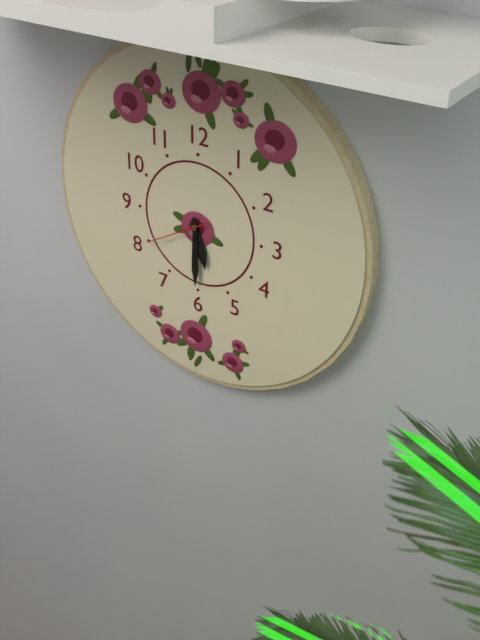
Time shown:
5,30,40
